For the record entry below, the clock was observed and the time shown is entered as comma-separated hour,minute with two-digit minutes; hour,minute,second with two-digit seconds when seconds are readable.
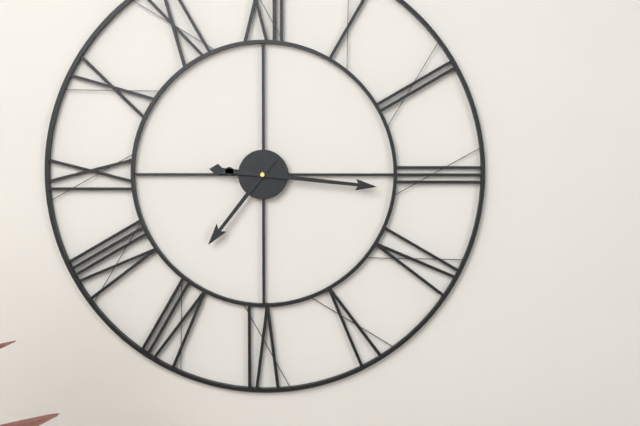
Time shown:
7,16
